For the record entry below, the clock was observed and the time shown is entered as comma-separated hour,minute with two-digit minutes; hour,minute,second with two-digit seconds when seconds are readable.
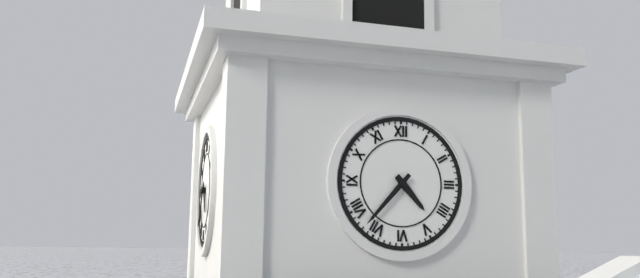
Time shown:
4,37
